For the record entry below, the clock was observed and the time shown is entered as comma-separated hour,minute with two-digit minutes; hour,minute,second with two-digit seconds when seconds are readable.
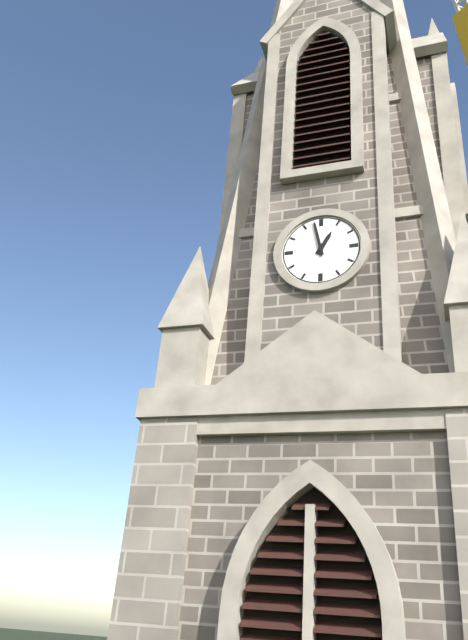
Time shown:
12,58
